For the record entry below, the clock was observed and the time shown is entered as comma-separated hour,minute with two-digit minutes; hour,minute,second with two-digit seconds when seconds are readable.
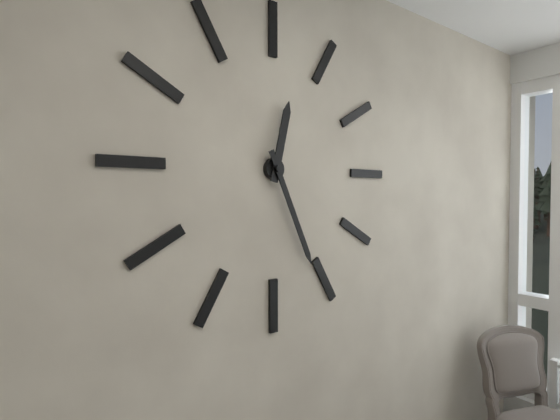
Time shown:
12,26
